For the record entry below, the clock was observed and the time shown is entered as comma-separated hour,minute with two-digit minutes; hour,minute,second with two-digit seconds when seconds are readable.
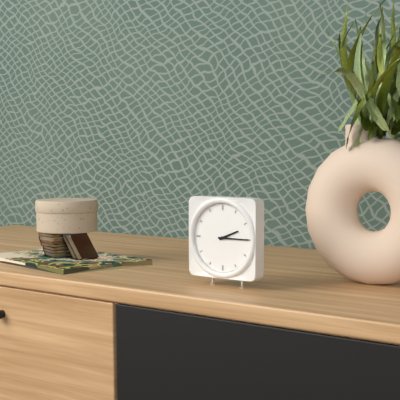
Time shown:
2,15
